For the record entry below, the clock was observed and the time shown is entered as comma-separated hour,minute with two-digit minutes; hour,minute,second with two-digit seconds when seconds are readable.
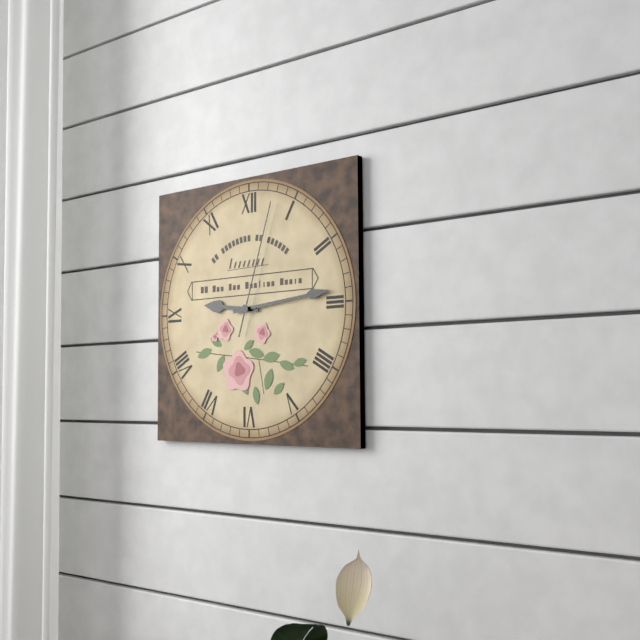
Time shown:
9,14,03
